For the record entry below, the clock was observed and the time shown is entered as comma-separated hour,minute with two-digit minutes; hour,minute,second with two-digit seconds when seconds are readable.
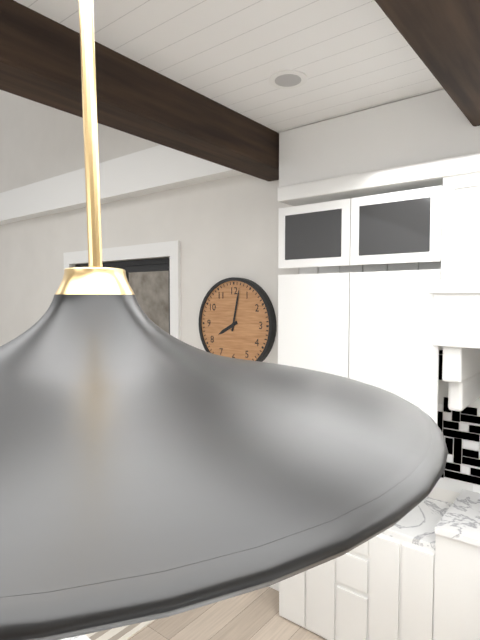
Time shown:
8,02
